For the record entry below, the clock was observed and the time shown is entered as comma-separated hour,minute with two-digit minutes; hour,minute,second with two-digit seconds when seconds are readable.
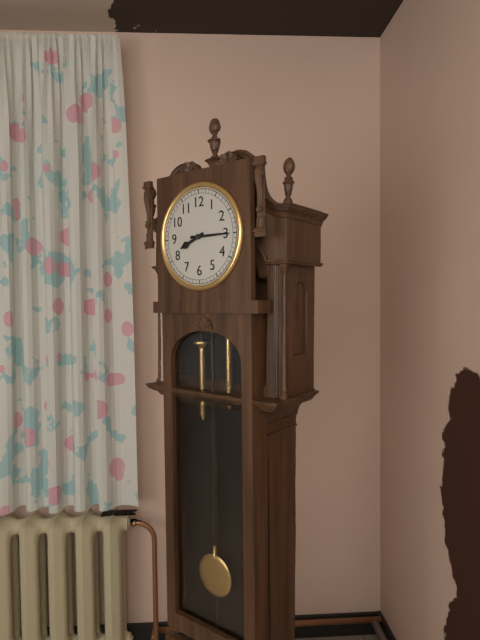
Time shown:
8,15
